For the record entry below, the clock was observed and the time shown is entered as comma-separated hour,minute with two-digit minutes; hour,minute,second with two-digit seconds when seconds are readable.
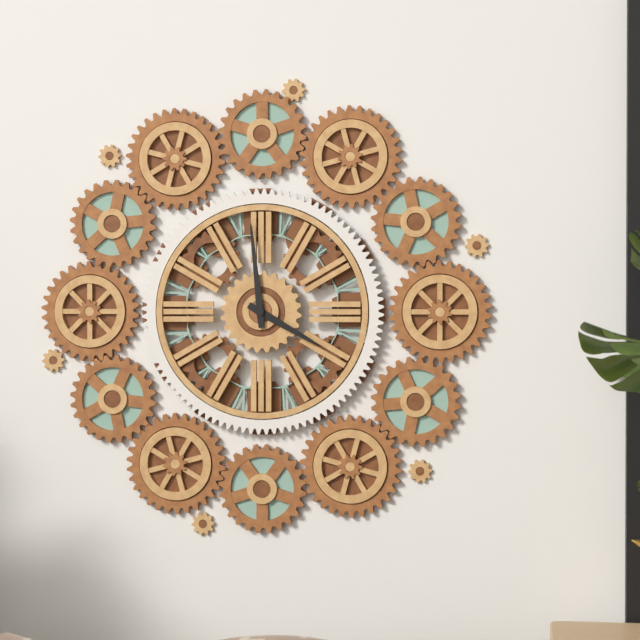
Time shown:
3,59
